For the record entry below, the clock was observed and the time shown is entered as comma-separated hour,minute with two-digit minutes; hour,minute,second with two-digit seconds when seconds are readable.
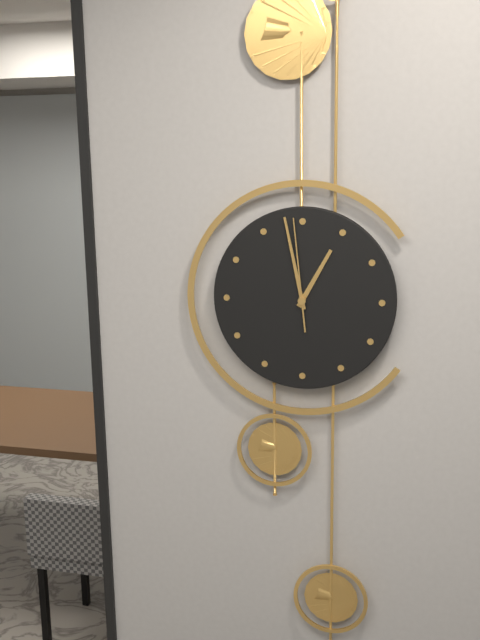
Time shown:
12,58,59
